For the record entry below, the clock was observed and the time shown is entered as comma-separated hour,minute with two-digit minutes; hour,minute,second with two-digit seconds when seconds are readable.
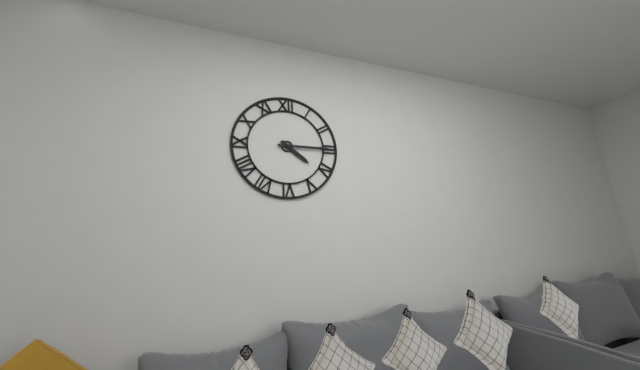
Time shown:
4,15
